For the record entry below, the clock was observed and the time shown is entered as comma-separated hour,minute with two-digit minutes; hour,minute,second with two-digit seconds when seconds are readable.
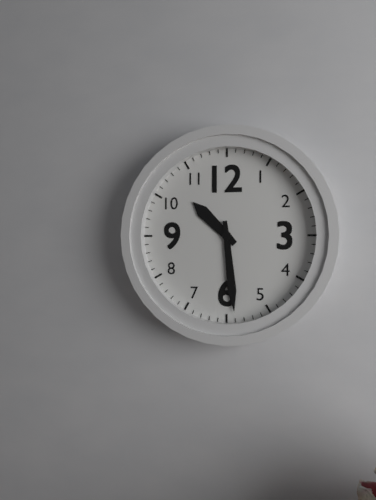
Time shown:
10,29
